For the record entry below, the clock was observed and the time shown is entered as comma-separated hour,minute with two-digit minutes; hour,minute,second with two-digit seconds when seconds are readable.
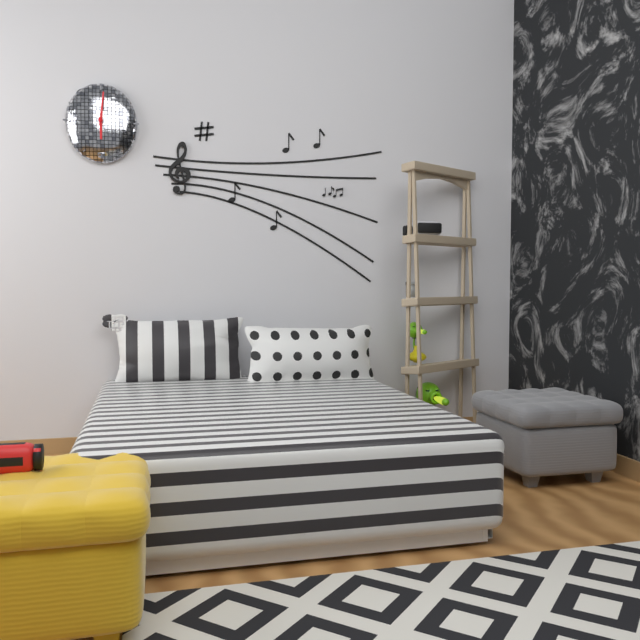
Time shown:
6,01
